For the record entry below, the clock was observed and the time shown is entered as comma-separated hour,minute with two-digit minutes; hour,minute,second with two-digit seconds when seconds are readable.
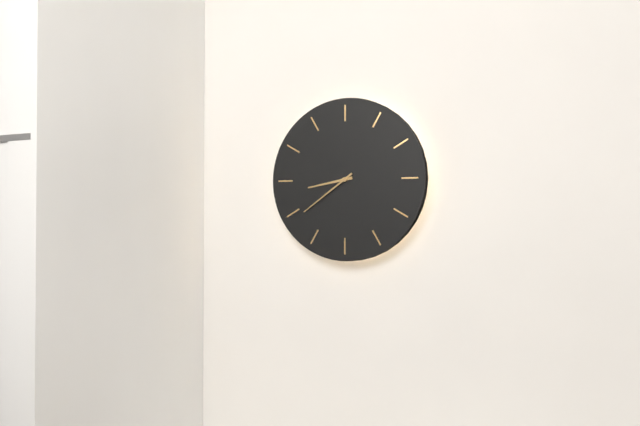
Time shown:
8,39
